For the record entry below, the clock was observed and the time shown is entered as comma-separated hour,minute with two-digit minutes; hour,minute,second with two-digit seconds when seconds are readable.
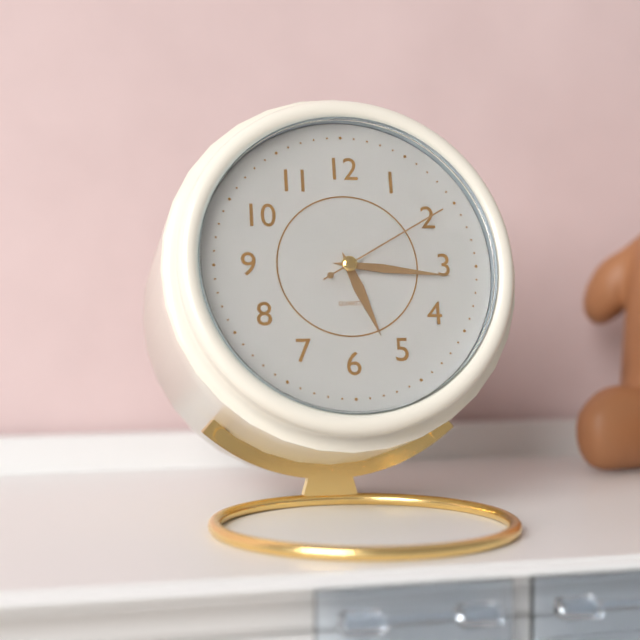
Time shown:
5,16,10
